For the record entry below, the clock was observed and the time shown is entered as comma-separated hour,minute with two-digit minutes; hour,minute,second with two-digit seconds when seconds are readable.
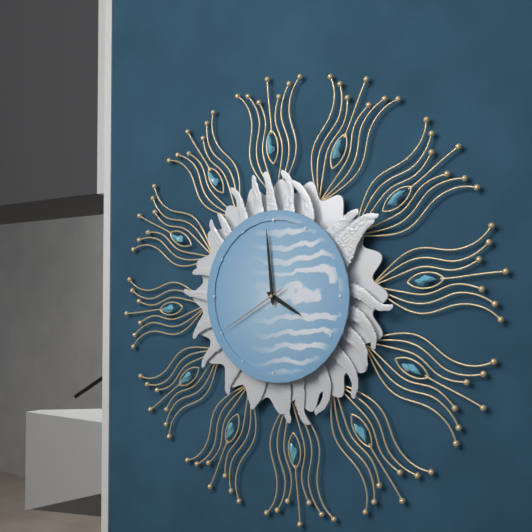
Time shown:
3,59,40
